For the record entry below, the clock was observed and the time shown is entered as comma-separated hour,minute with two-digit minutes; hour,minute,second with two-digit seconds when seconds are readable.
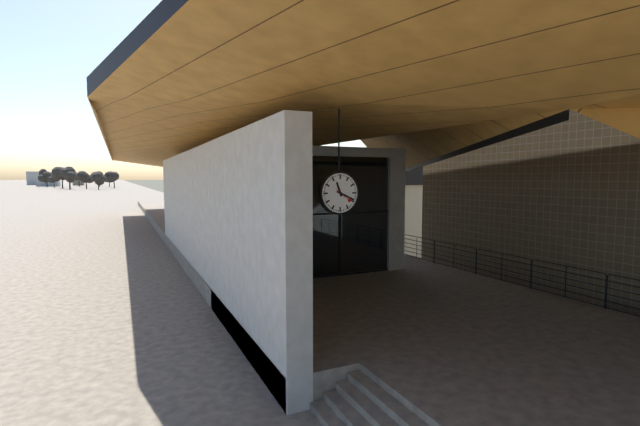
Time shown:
11,19
